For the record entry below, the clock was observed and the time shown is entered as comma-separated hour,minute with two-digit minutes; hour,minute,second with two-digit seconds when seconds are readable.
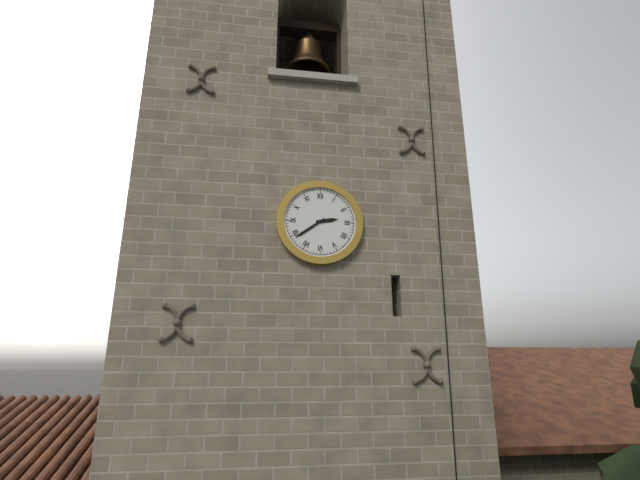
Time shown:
2,39
